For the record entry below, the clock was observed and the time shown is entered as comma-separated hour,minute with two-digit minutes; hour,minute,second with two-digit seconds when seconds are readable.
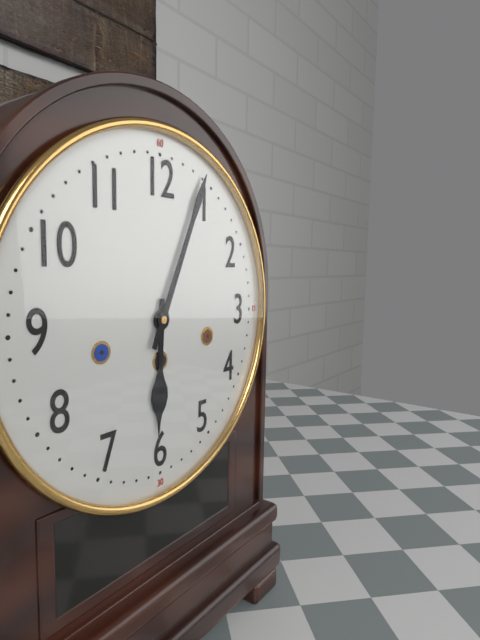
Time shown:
6,04
